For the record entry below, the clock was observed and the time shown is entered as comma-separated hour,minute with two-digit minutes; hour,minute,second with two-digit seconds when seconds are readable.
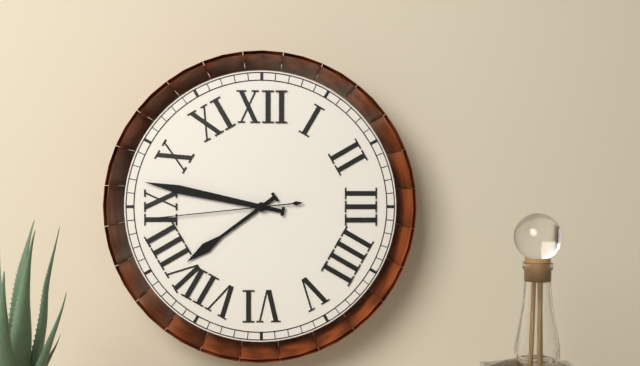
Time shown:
7,47,44
